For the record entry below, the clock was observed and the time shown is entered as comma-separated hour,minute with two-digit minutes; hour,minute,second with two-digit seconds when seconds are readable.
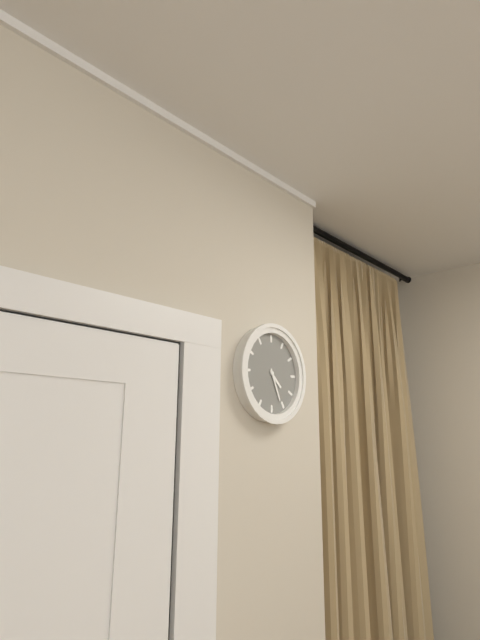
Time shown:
4,26
